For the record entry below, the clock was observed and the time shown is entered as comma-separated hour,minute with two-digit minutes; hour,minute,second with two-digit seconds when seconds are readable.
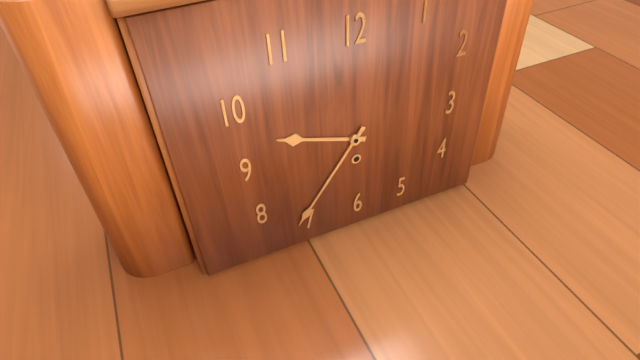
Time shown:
9,36
